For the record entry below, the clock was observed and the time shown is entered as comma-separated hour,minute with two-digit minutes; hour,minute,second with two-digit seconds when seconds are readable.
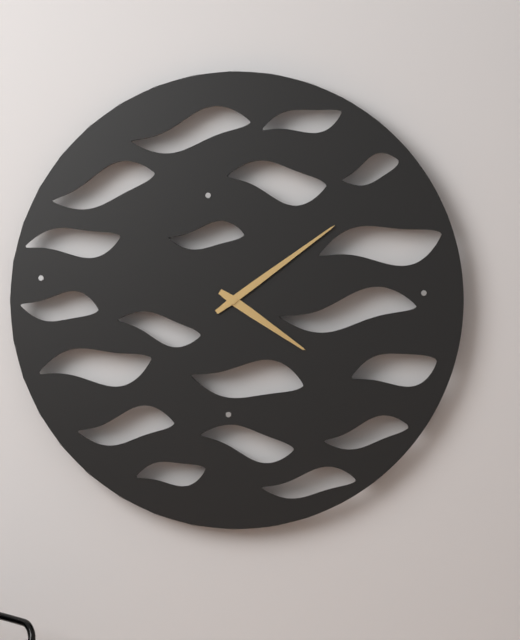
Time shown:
4,09
